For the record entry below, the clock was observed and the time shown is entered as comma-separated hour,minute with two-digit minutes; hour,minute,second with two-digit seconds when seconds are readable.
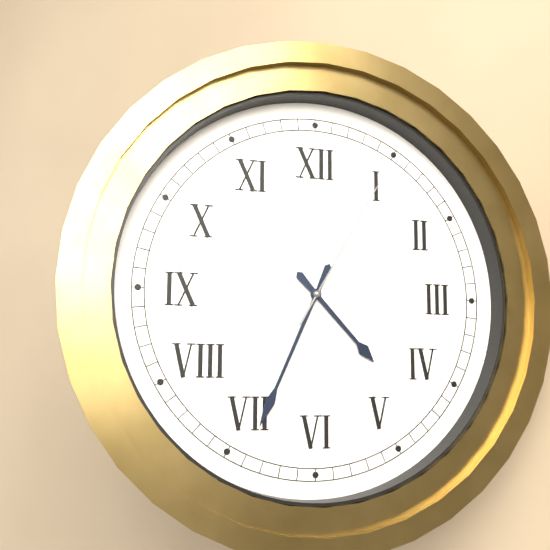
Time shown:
4,34,05
